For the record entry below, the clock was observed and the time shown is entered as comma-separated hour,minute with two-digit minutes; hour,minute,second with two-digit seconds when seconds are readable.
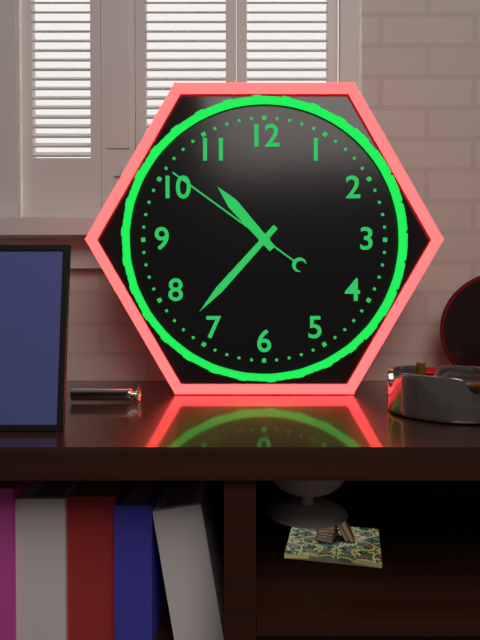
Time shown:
10,37,51
